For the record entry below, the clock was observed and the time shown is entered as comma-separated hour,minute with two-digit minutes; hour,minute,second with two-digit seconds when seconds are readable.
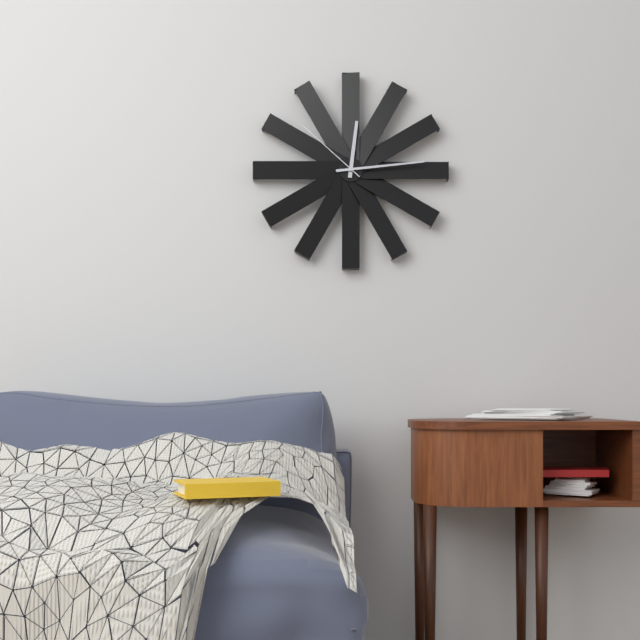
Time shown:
12,14,52
